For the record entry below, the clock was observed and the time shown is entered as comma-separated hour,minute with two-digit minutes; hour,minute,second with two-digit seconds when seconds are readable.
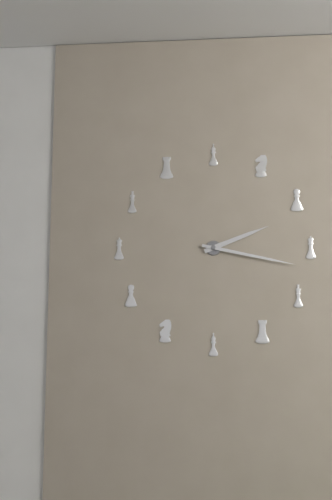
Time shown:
2,17
